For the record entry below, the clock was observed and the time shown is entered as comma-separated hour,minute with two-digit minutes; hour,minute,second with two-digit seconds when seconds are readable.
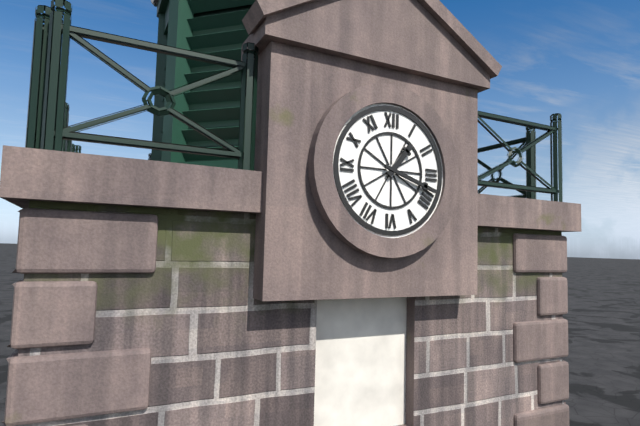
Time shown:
1,18
